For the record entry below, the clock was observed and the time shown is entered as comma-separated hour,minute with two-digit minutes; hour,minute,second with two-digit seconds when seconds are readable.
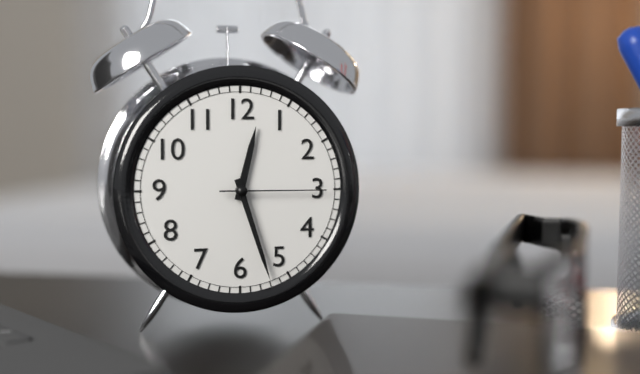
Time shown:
12,27,15
